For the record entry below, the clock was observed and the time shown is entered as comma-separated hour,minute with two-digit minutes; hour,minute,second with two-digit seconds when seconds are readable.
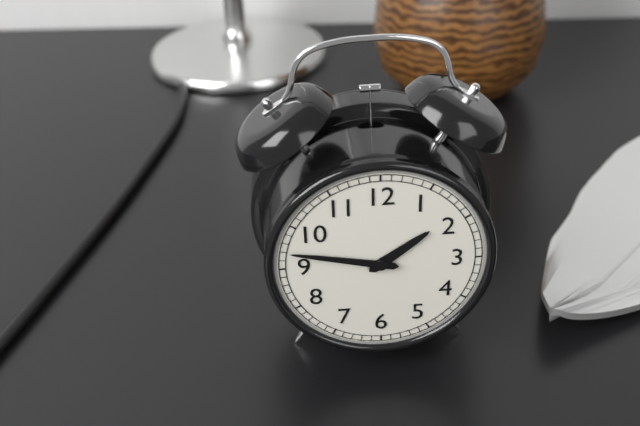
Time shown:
1,47
